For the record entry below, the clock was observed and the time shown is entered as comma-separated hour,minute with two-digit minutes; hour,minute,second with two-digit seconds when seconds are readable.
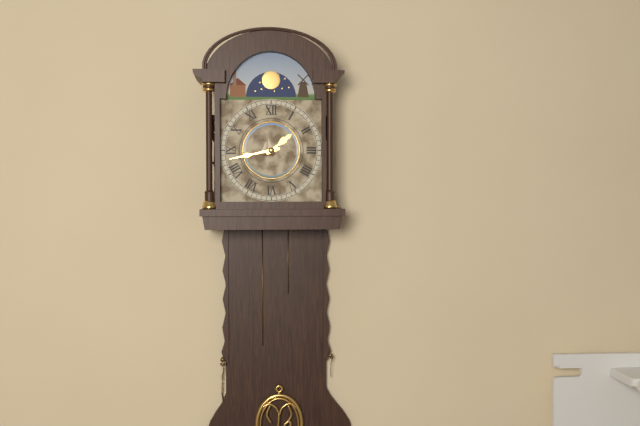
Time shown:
1,43
